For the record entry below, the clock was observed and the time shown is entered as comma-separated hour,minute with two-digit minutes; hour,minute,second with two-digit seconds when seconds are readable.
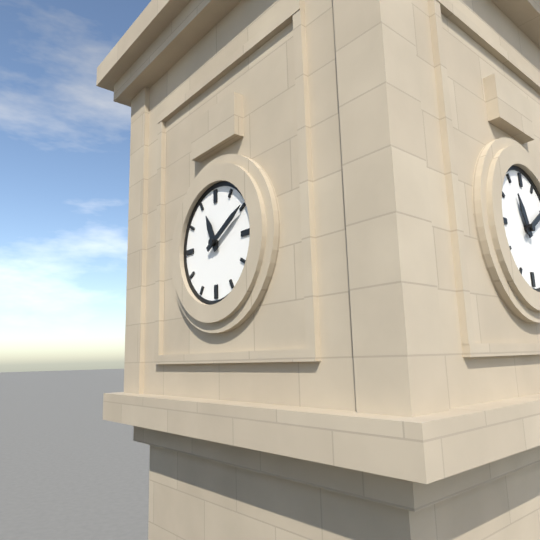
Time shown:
11,10
